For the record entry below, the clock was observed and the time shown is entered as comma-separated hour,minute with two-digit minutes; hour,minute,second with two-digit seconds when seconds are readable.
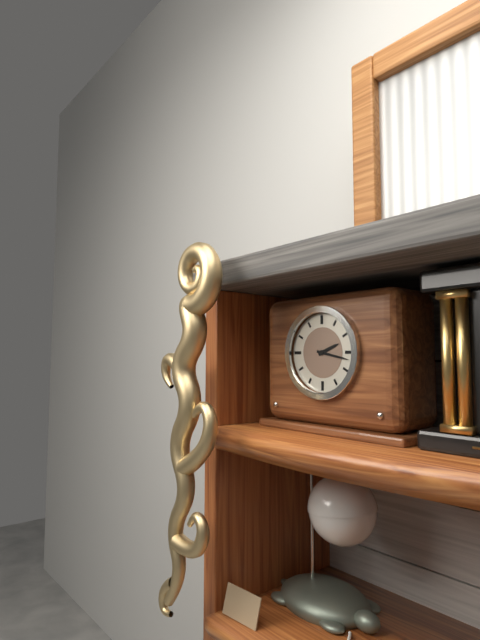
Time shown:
2,17
